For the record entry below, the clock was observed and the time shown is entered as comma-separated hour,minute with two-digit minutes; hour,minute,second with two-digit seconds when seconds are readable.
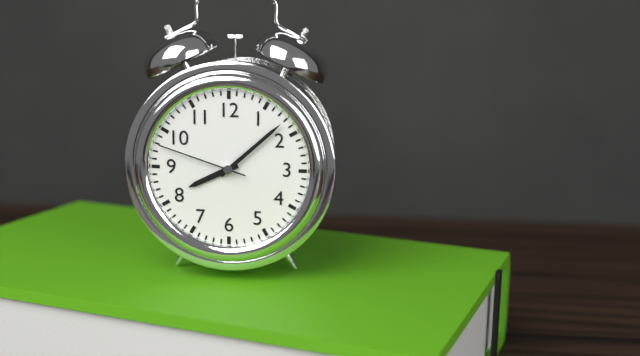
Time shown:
8,08,48
